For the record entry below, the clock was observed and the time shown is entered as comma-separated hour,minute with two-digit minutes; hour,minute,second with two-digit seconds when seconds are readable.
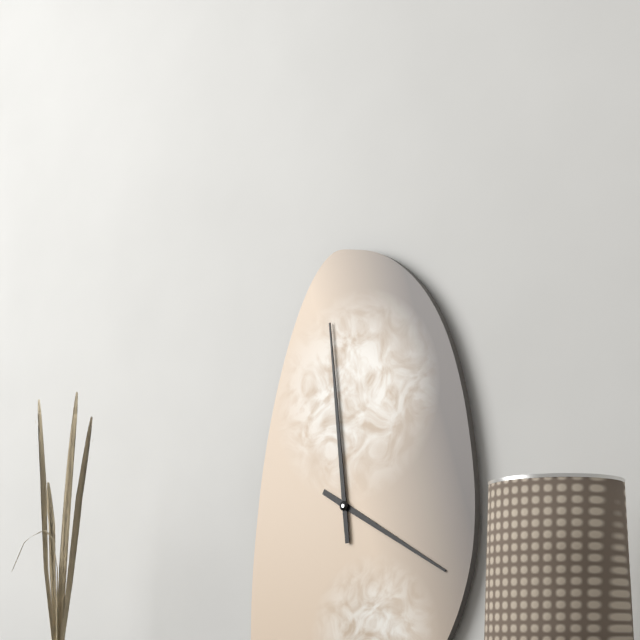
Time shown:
3,59
